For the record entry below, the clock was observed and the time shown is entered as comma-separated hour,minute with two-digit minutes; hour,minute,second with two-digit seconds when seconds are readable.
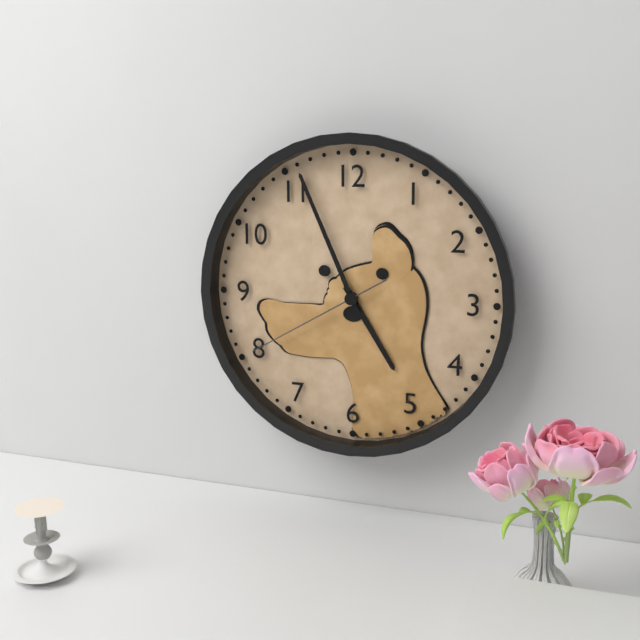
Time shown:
4,56,40
